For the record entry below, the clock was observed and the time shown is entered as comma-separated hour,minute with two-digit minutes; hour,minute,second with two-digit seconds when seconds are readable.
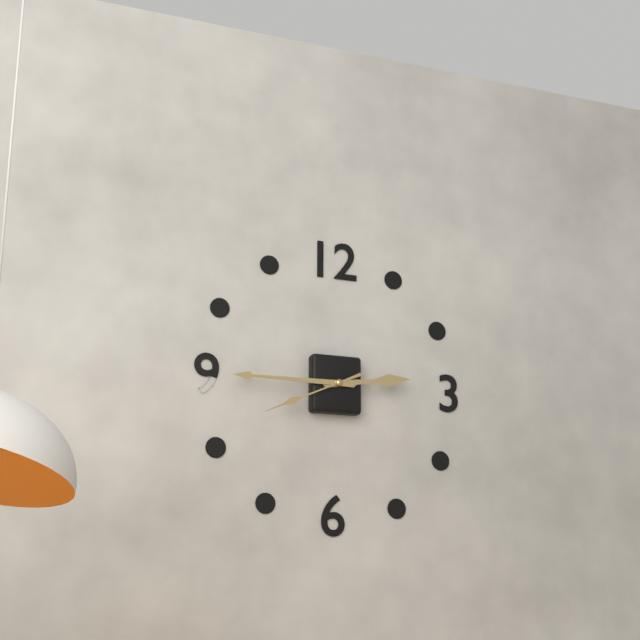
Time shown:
2,45,41
